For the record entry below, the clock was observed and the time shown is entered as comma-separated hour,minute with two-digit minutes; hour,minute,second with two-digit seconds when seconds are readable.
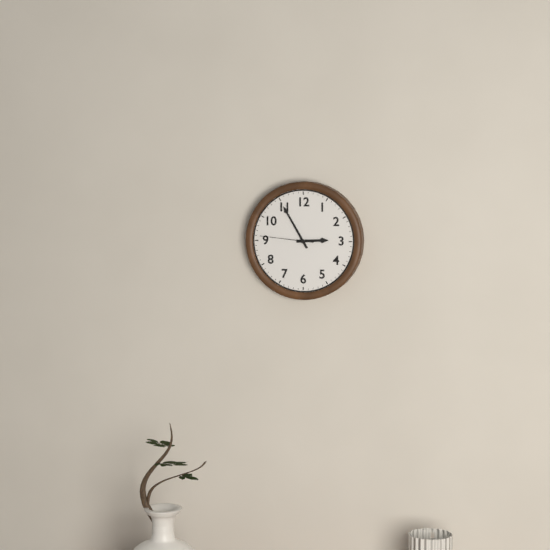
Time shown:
2,55,46
